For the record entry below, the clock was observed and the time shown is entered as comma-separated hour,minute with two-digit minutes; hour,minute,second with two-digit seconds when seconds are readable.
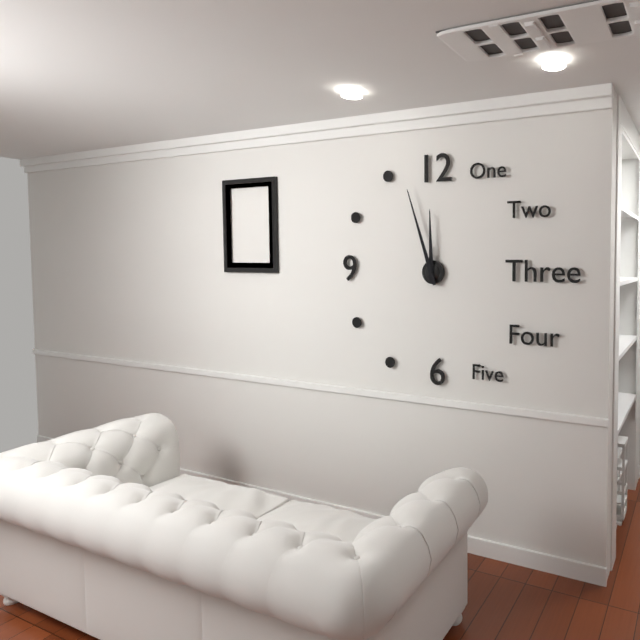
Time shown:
11,57
